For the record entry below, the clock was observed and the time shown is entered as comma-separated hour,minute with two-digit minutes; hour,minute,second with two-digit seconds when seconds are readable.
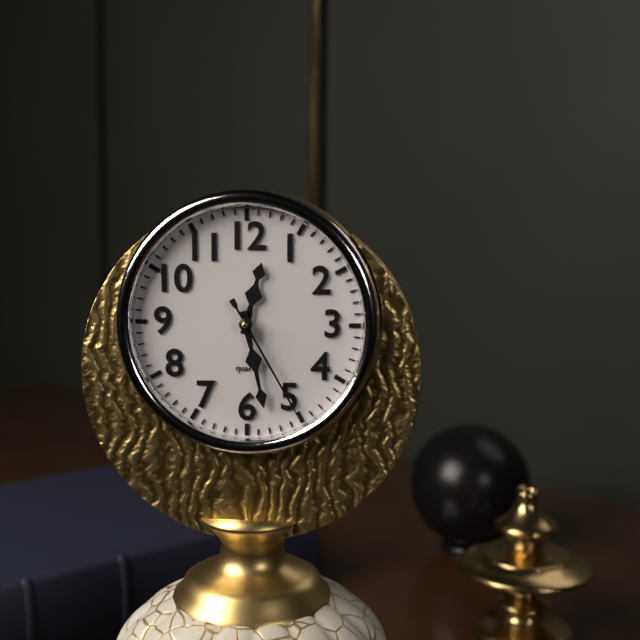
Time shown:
12,28,25
